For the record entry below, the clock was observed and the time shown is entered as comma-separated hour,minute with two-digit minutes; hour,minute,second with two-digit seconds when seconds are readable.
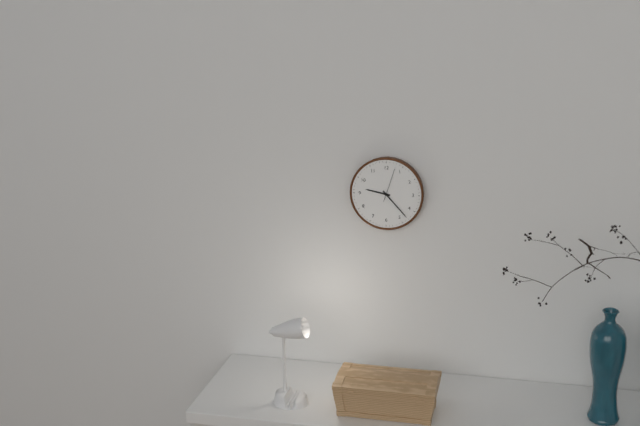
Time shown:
9,23
